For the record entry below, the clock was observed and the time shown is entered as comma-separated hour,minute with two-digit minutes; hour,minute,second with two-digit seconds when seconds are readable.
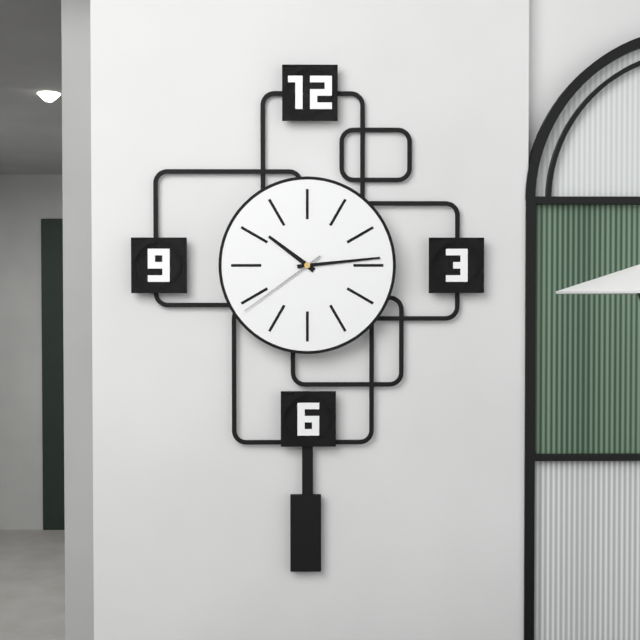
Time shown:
10,14,39
